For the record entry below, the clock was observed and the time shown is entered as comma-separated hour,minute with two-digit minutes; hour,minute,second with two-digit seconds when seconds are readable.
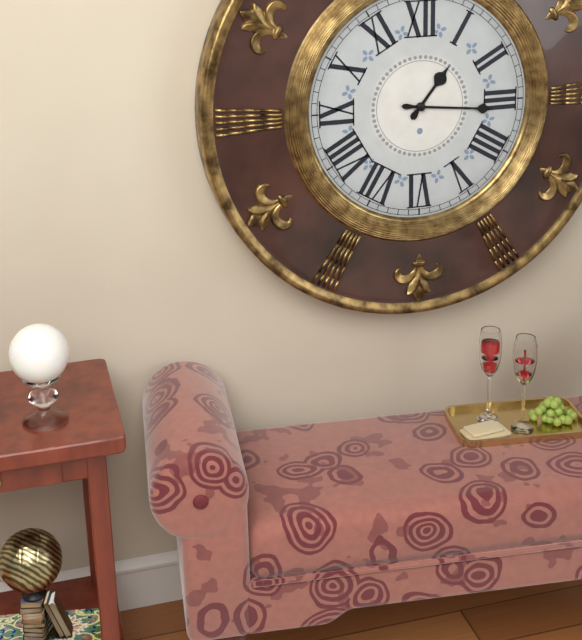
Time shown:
1,16
